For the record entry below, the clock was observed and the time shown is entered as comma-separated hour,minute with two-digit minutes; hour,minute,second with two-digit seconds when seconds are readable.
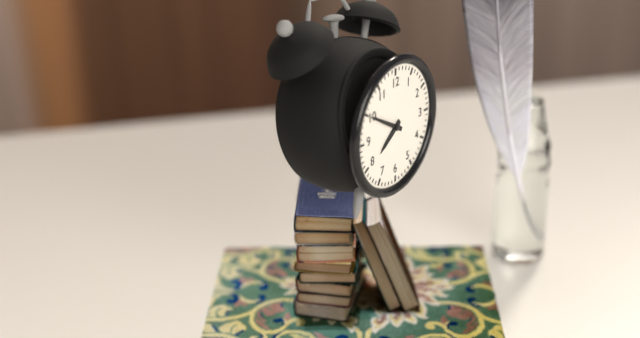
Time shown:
7,50
